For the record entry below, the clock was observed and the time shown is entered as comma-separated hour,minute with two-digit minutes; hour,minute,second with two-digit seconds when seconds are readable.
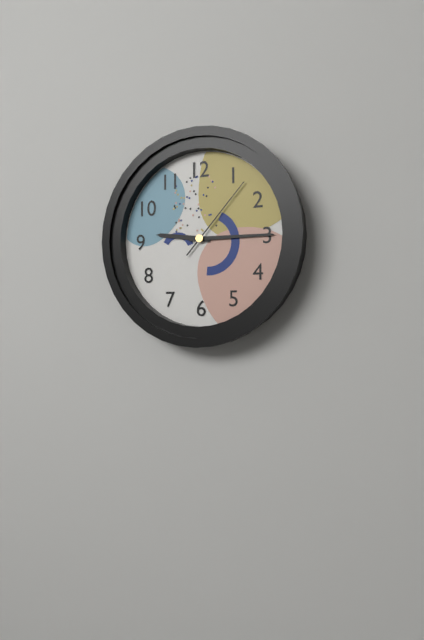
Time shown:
9,15,07
